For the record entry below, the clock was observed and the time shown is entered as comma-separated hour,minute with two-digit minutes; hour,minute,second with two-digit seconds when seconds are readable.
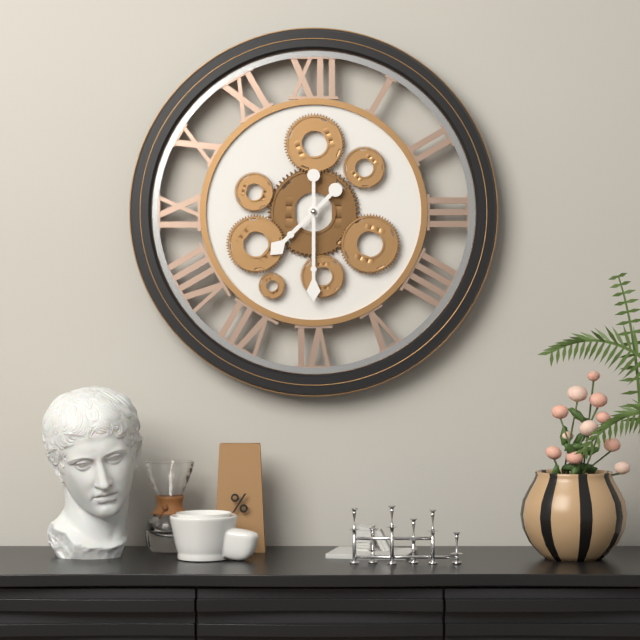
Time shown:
7,30
